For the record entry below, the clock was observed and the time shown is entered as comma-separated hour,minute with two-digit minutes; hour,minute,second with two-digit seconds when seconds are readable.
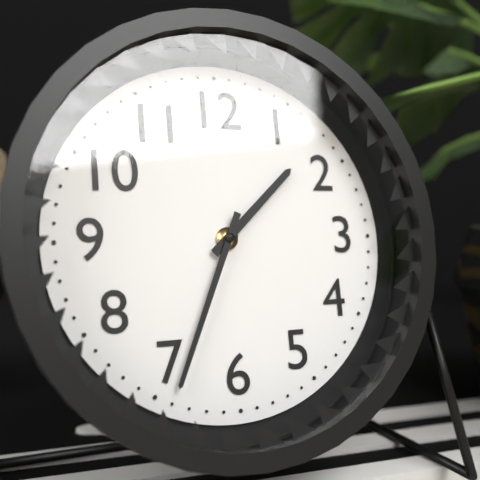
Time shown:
1,34
